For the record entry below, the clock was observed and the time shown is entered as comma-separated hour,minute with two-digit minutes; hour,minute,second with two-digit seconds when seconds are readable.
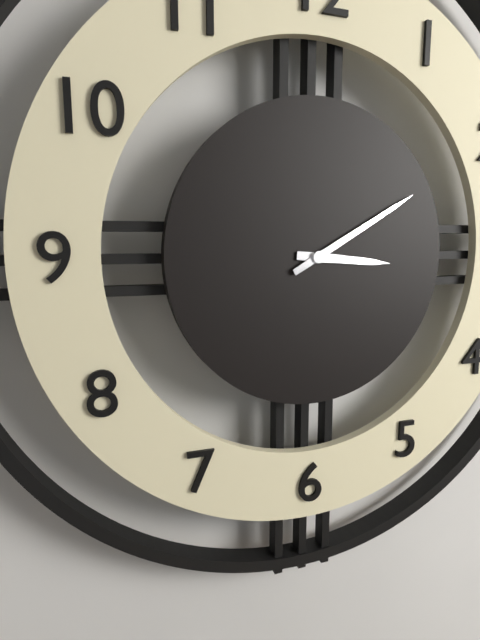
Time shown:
3,10
